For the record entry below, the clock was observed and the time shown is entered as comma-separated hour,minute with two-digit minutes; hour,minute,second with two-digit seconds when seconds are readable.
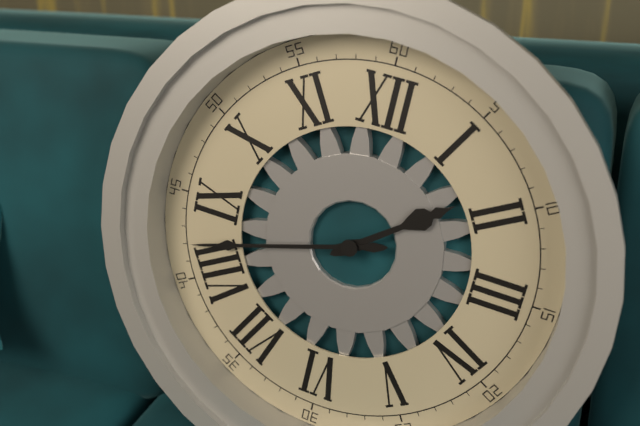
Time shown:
1,42
